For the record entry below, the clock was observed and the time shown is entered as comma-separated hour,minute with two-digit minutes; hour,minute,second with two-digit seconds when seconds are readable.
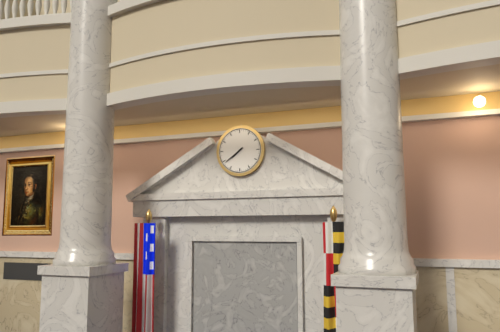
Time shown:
7,39
